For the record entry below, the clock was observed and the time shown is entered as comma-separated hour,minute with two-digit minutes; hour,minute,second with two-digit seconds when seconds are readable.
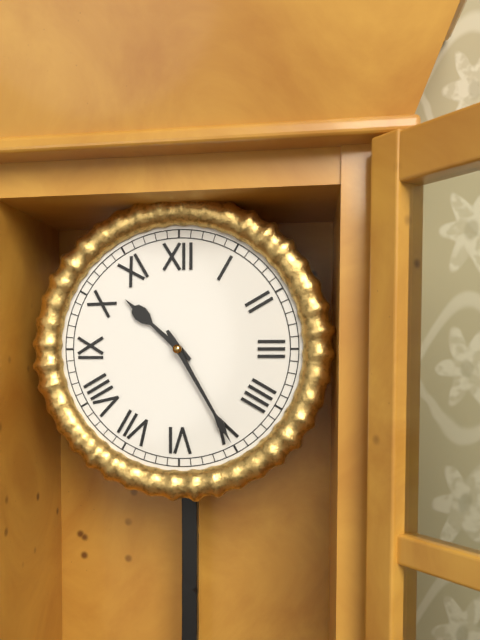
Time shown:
10,25
